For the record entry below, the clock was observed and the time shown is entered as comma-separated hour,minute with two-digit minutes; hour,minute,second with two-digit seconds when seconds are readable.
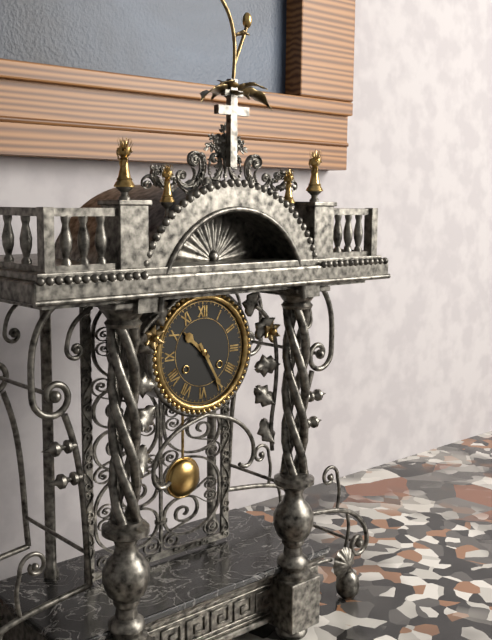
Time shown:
10,25
